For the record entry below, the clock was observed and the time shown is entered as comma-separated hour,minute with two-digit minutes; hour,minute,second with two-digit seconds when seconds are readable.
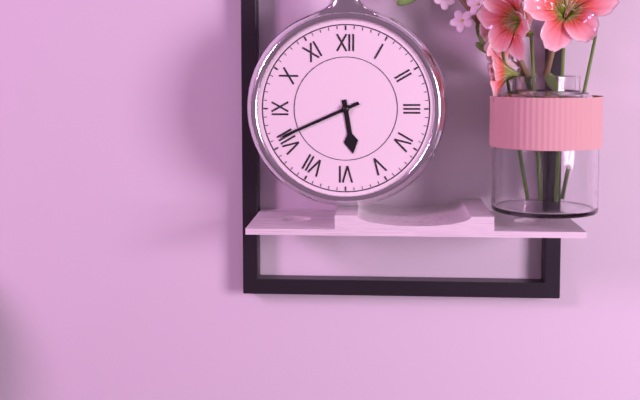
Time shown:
5,41
